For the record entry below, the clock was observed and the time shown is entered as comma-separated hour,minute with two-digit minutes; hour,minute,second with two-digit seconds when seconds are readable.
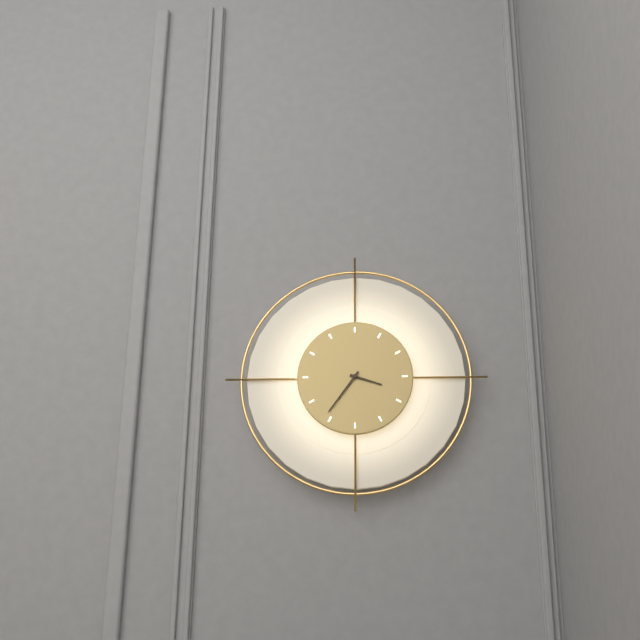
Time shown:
3,36
